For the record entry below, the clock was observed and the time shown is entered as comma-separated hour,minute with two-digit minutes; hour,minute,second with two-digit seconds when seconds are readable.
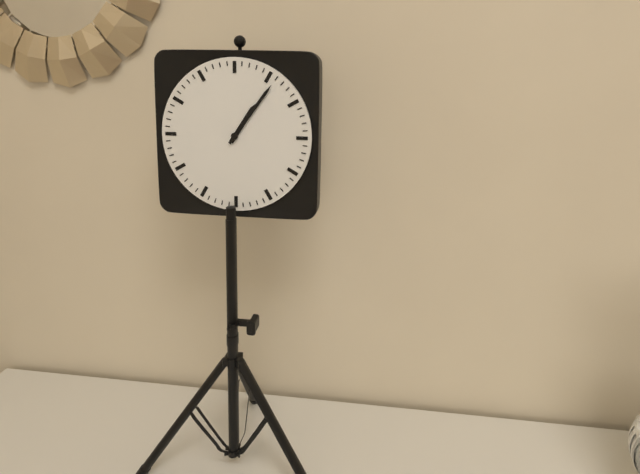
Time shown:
1,06
